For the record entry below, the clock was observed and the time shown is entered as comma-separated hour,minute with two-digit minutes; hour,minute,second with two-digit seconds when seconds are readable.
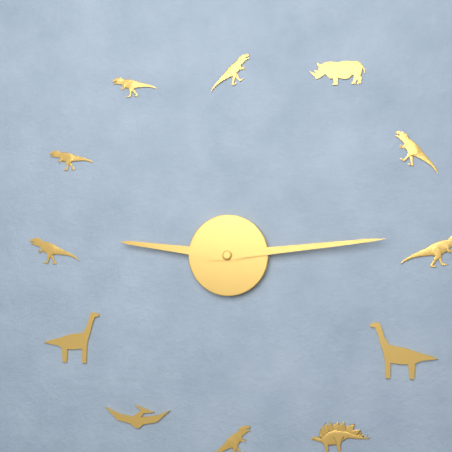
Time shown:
9,14
